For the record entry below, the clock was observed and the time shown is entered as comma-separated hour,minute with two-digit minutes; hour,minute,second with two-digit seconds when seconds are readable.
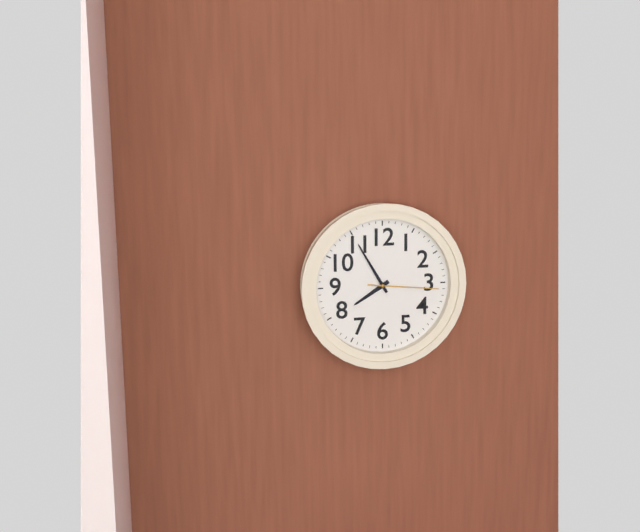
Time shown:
7,55,16
